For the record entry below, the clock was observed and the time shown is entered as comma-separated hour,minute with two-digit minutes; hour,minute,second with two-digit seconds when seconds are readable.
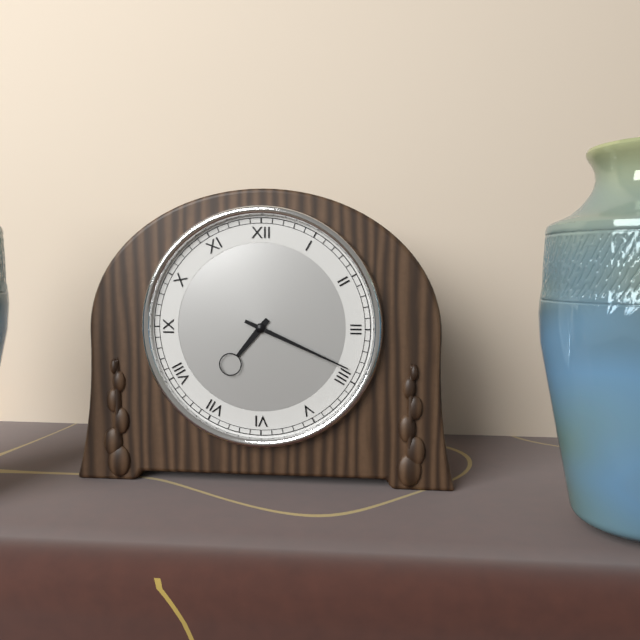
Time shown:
7,19
